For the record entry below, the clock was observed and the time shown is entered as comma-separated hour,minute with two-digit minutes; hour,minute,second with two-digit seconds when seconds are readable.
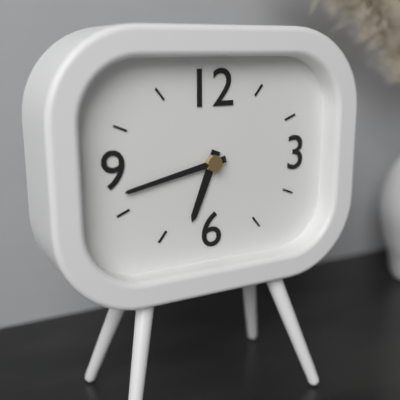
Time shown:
6,43
